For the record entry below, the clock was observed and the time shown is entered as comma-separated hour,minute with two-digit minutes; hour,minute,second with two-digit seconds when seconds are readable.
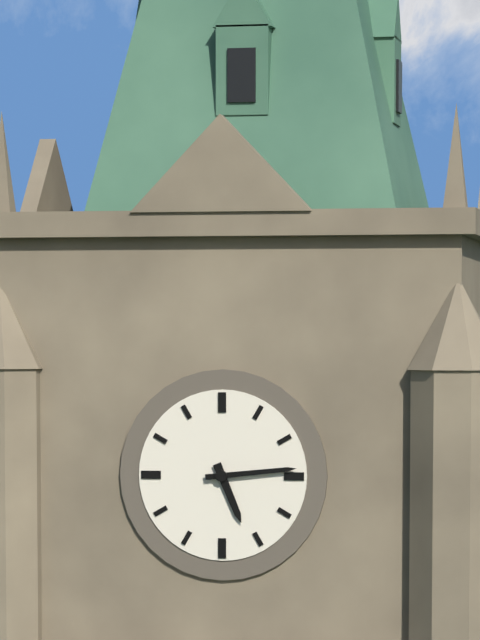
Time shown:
5,14
